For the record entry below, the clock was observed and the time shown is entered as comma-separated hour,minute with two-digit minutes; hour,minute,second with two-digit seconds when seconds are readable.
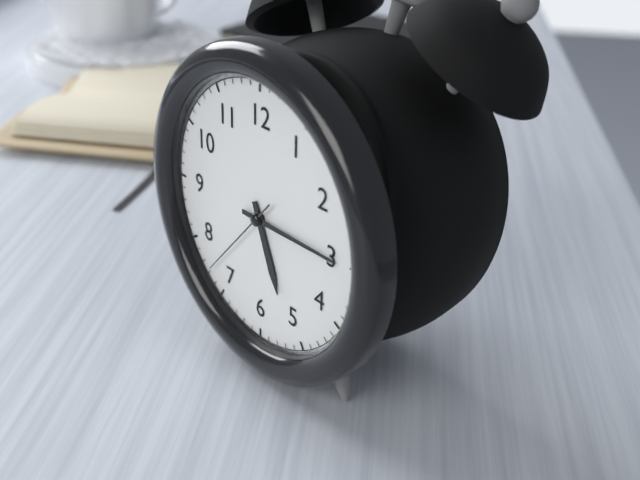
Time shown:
5,15,37
